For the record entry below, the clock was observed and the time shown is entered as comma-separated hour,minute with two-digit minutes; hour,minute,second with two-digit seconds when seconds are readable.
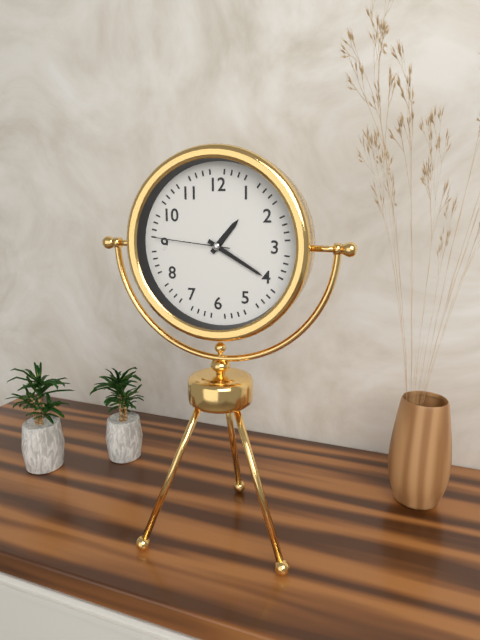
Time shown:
1,20,46
